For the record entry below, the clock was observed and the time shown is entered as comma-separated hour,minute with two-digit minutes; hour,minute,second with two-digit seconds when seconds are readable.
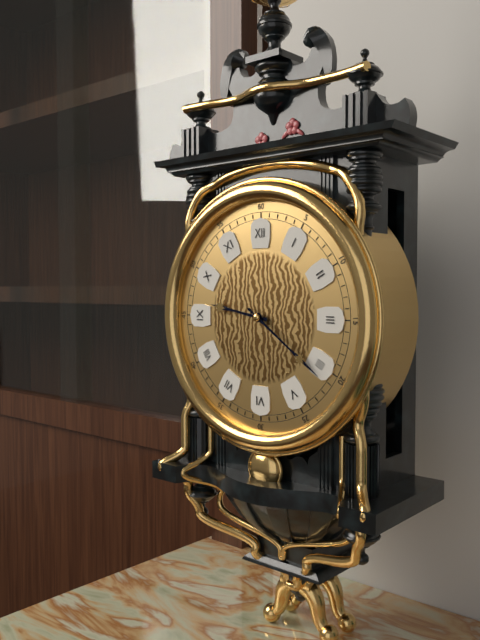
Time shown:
9,21
